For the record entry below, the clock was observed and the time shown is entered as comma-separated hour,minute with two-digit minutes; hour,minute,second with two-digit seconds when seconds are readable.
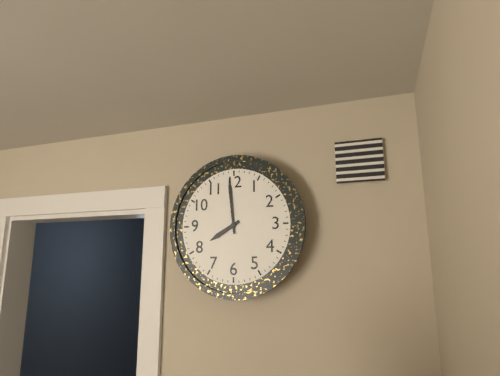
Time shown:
7,59
